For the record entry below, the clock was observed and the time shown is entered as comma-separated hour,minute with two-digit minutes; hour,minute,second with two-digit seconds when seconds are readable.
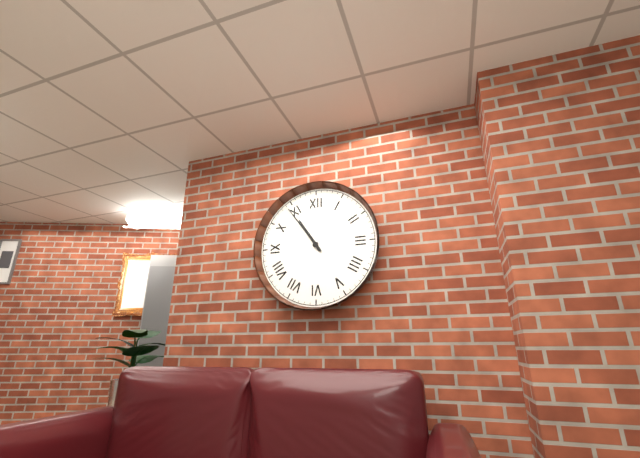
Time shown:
10,54
